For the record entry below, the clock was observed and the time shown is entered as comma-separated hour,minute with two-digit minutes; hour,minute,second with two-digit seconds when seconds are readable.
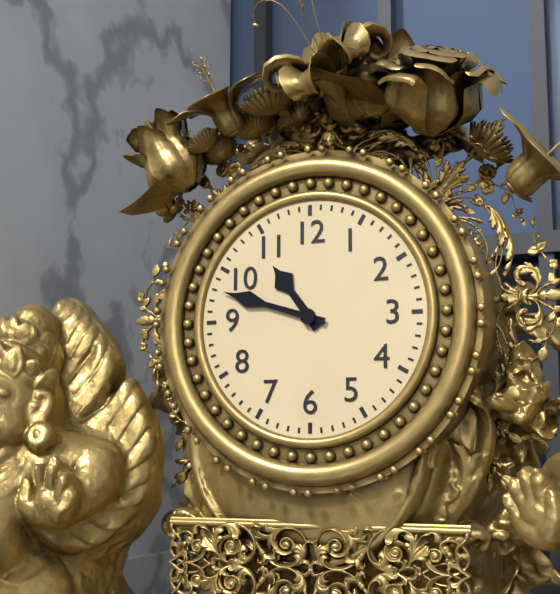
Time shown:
10,48
